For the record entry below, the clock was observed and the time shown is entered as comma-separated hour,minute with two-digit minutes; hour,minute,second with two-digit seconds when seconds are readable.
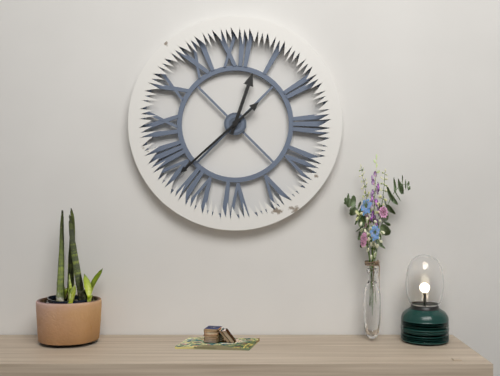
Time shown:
12,38
